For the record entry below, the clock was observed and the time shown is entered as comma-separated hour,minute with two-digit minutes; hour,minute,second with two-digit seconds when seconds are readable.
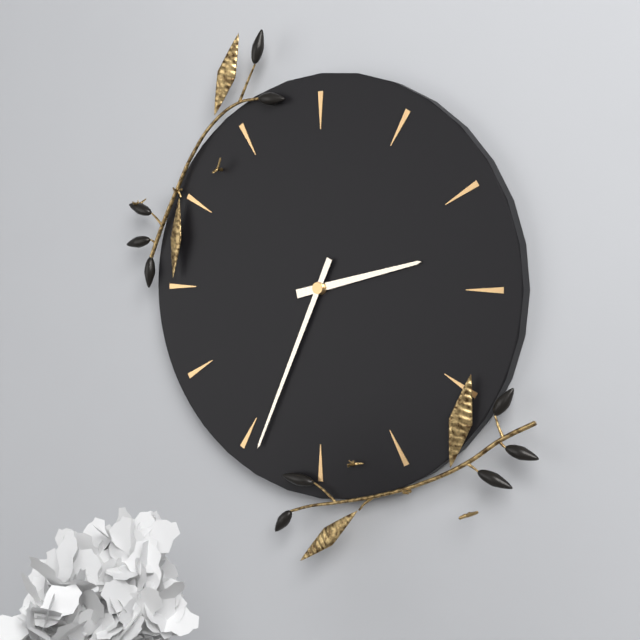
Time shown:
2,34
